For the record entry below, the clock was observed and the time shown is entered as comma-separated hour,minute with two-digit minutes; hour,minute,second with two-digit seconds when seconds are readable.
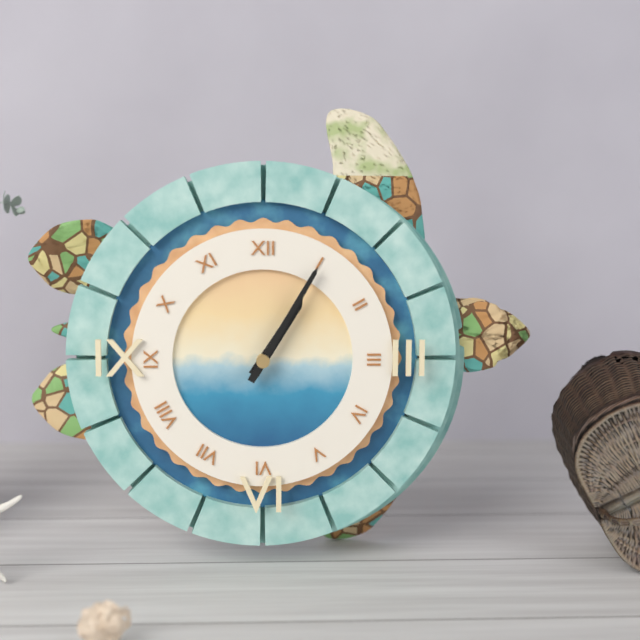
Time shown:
1,05
